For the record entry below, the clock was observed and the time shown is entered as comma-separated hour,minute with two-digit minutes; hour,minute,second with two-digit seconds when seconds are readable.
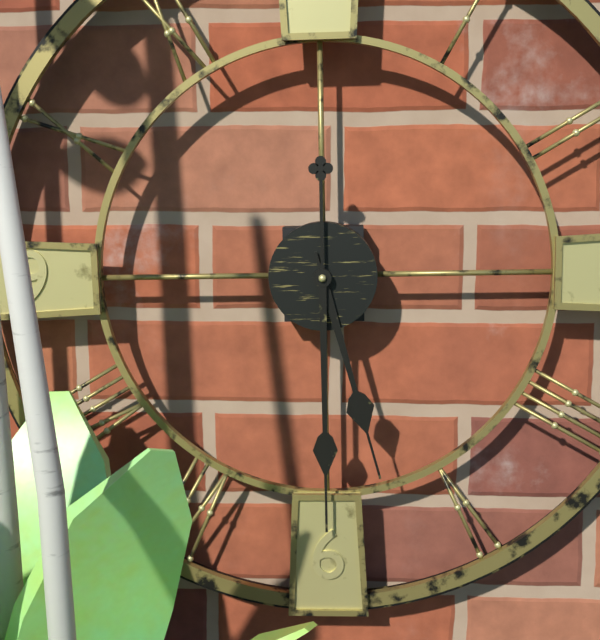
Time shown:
5,30
